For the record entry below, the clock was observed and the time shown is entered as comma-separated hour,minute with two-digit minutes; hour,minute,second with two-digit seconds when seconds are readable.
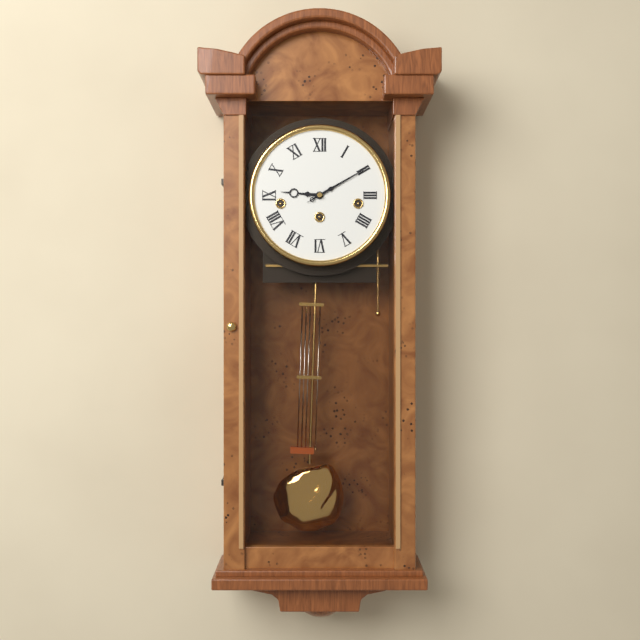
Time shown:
9,10
